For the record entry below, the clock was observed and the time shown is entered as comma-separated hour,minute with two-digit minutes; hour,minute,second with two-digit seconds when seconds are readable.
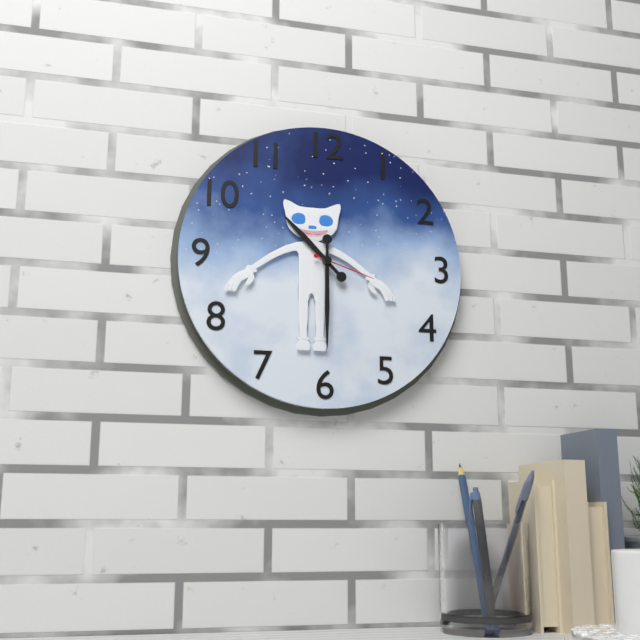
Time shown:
10,30,18
